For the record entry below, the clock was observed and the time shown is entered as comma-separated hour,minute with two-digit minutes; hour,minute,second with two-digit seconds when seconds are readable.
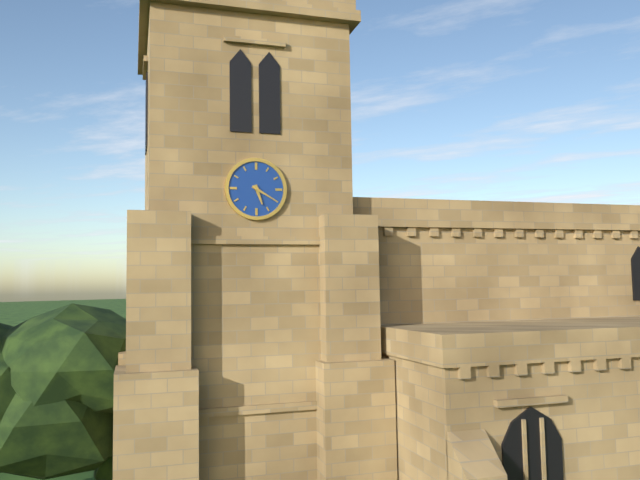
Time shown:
5,20
